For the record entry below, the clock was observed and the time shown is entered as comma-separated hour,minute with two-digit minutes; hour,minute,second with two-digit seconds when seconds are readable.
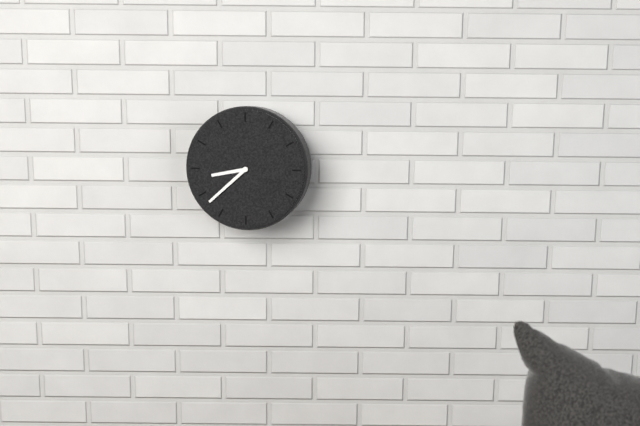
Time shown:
8,38
